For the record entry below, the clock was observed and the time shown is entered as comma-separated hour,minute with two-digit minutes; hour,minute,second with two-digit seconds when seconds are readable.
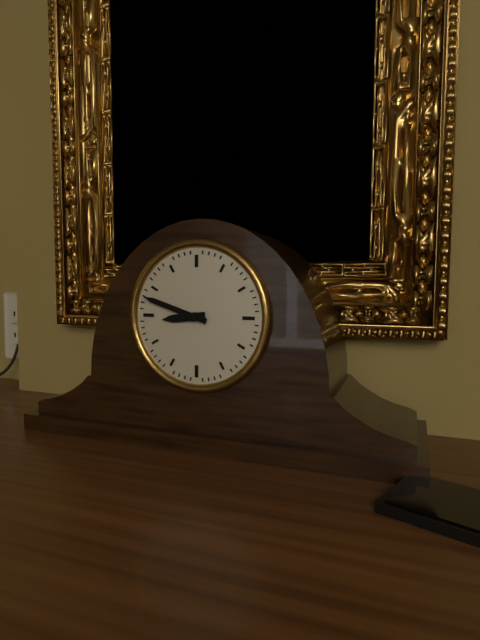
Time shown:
8,48
